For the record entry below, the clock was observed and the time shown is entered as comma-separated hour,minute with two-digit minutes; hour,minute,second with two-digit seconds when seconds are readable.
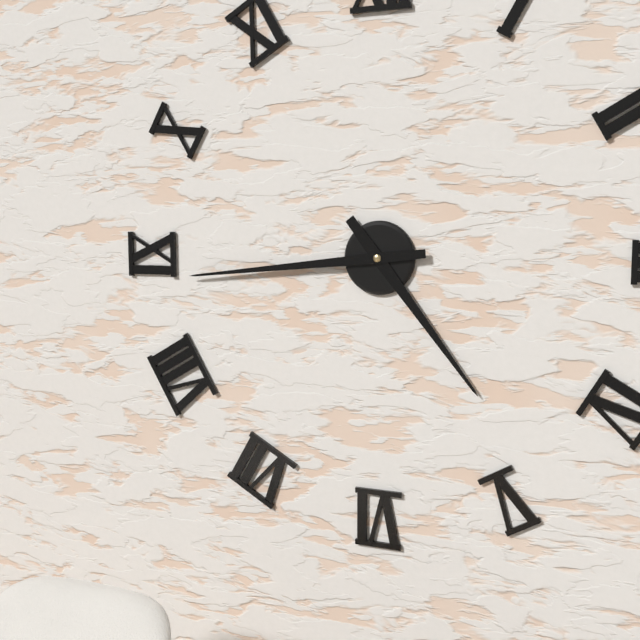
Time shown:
4,44
